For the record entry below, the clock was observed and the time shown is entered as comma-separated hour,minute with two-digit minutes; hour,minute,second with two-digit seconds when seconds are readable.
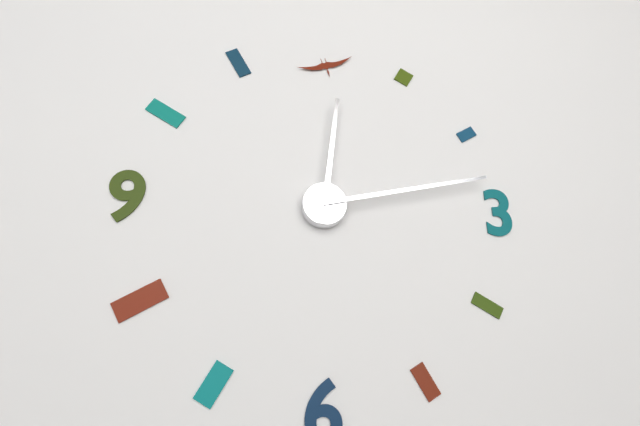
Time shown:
12,13
